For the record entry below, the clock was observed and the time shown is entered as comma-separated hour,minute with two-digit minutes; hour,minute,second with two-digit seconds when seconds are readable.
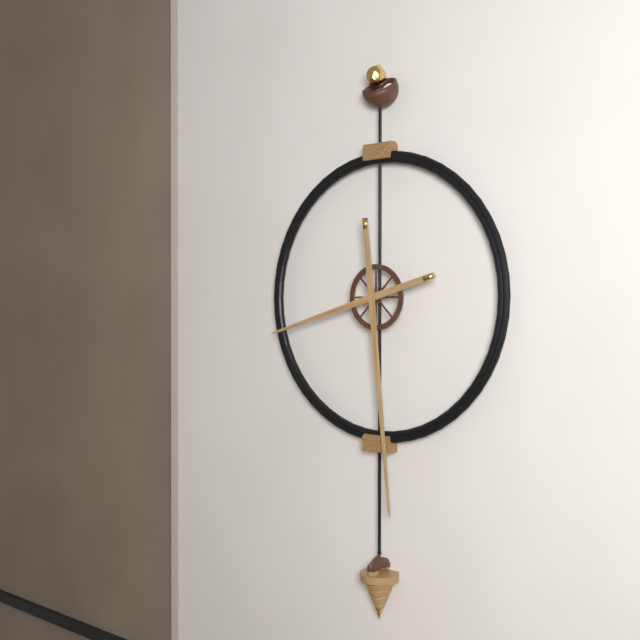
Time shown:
8,29
